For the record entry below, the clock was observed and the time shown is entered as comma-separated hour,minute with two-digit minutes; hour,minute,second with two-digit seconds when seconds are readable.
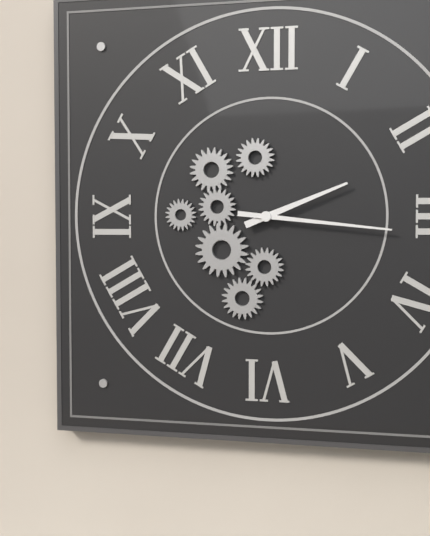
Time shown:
2,16
